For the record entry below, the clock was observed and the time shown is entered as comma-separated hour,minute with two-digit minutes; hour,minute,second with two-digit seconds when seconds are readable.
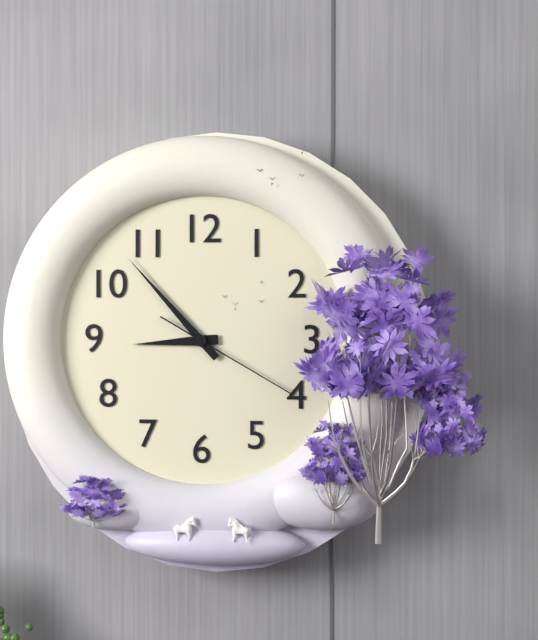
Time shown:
8,53,20
